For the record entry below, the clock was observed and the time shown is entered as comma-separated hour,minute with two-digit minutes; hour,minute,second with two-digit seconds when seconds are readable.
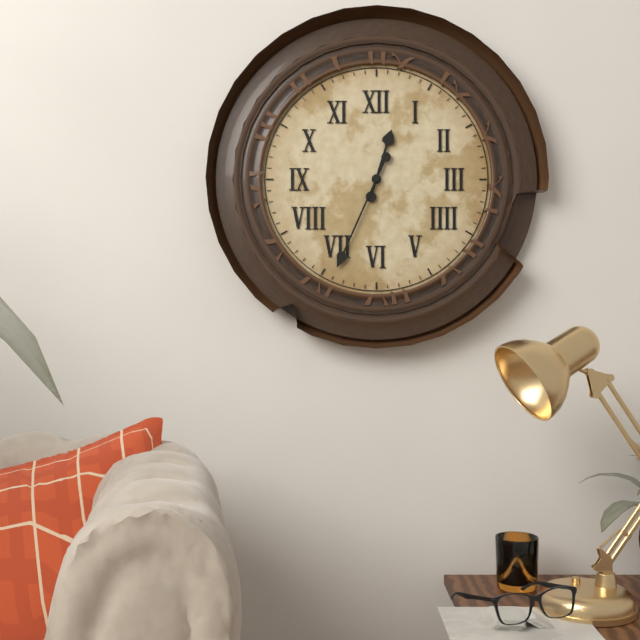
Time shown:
12,34
